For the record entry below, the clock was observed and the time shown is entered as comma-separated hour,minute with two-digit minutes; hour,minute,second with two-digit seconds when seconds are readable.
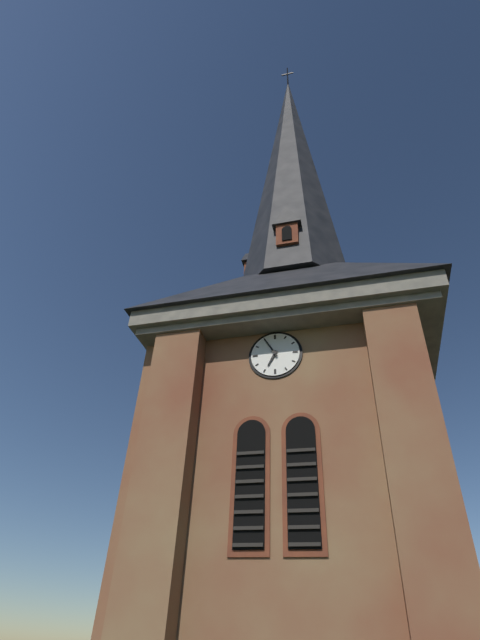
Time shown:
6,55
